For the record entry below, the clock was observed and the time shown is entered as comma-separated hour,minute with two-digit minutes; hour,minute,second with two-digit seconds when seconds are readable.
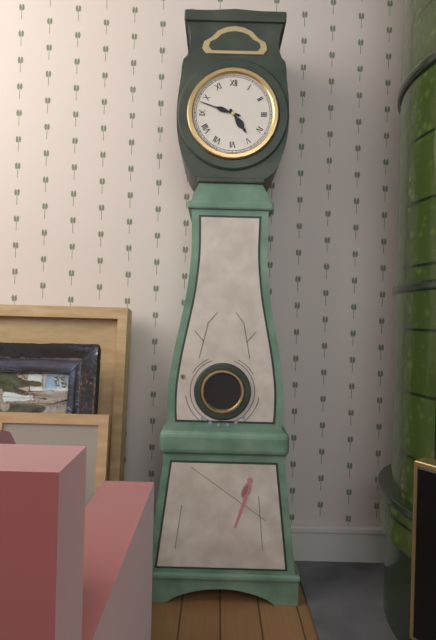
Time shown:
4,48
